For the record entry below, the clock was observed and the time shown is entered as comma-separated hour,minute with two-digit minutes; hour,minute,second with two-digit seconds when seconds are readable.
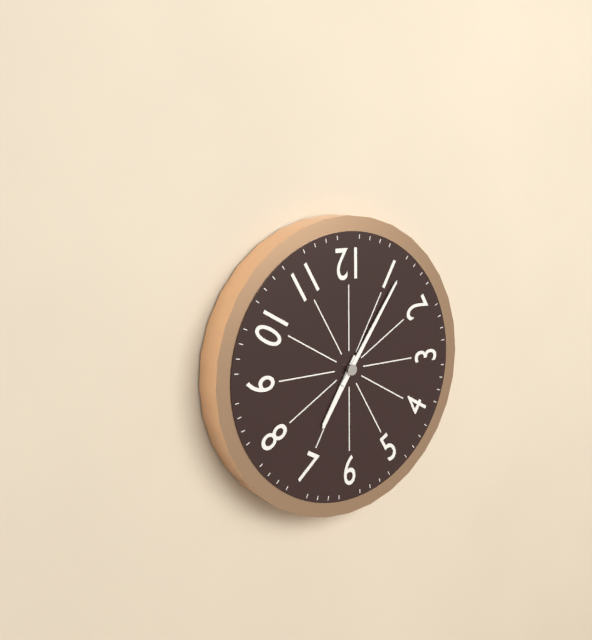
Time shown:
7,06
